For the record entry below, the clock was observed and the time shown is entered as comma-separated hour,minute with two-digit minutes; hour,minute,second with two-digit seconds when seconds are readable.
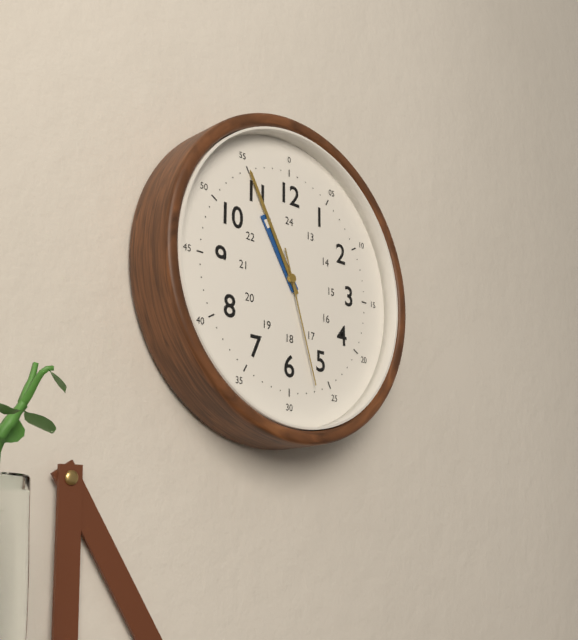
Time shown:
10,55,27
